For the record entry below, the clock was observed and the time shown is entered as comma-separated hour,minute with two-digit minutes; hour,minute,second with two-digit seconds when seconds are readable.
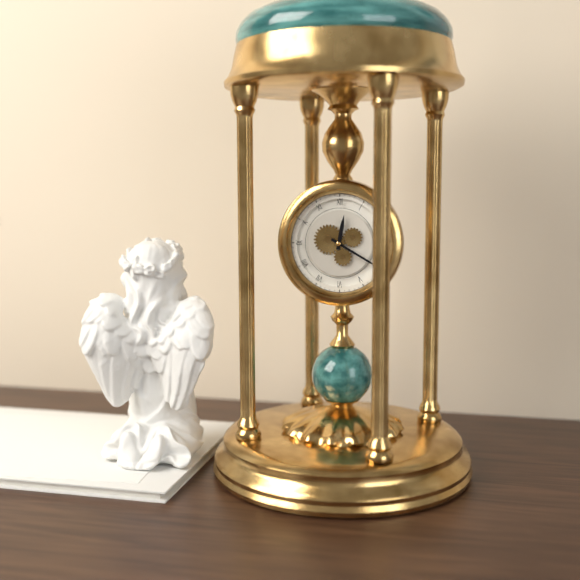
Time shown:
12,20
